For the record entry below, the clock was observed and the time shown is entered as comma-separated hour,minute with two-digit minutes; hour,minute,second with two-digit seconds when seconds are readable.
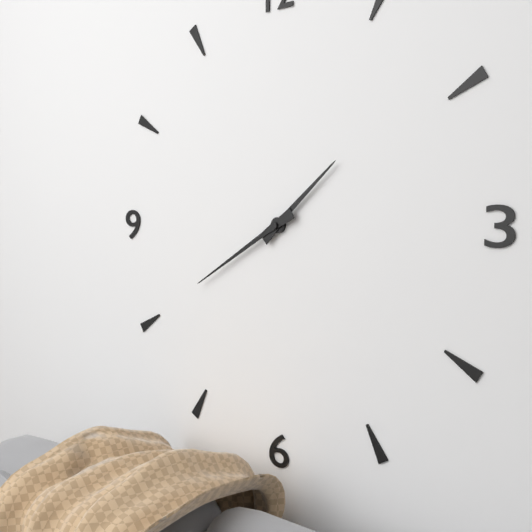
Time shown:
1,40
